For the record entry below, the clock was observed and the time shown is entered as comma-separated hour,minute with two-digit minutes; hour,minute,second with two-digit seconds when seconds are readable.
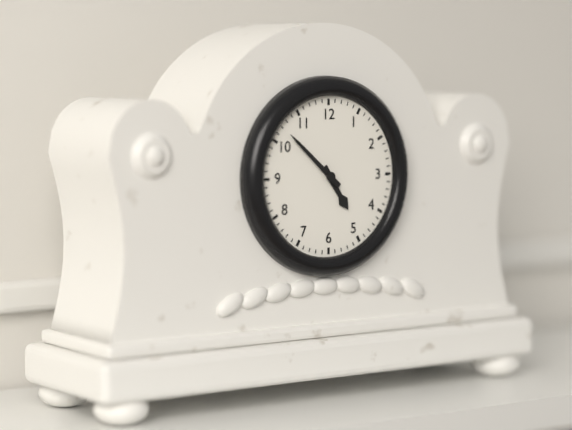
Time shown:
4,52
